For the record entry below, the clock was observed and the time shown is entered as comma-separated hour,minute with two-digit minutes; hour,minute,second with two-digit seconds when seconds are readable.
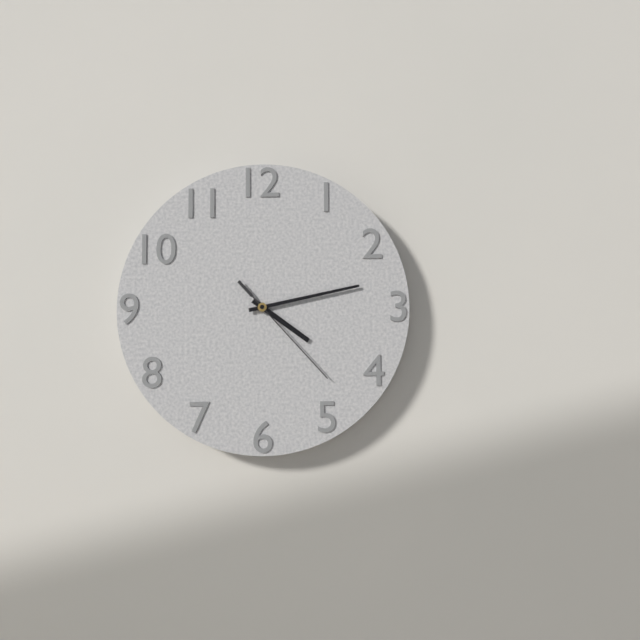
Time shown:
4,13,23
